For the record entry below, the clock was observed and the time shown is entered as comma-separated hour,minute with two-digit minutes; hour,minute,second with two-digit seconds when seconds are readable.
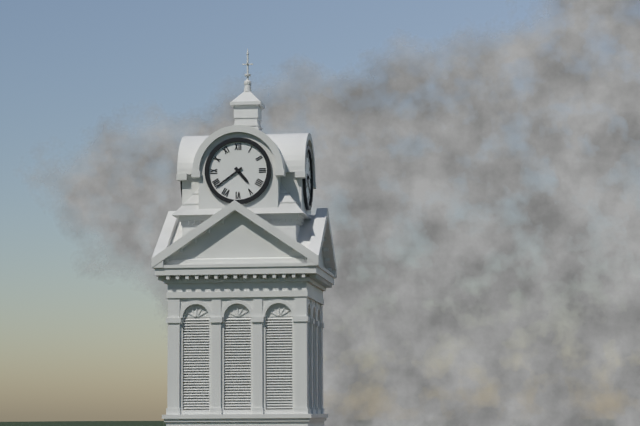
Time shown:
4,39
